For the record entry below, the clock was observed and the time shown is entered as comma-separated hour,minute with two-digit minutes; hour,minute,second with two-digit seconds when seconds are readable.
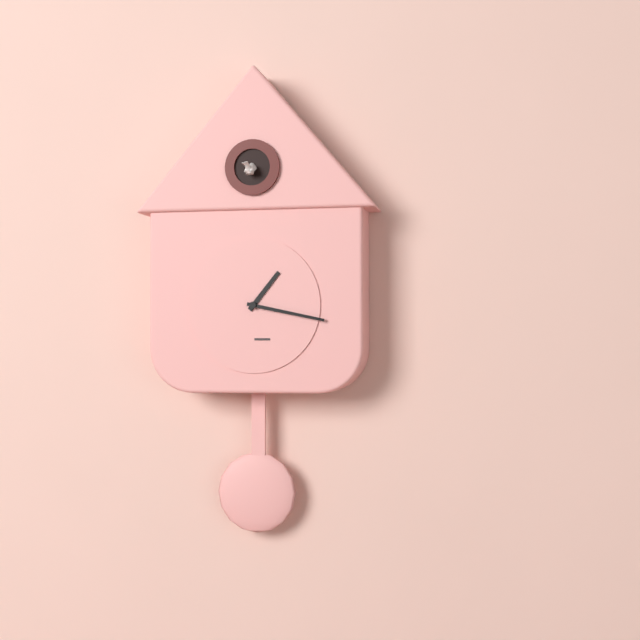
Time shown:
1,17
